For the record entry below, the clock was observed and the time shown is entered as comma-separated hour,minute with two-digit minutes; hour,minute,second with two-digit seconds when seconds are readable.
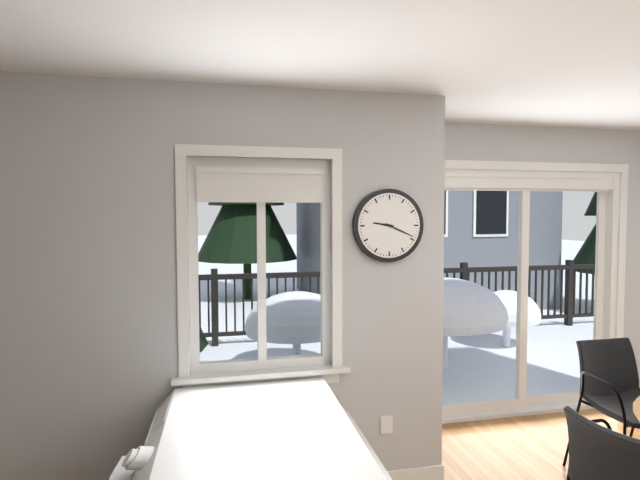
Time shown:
9,19
